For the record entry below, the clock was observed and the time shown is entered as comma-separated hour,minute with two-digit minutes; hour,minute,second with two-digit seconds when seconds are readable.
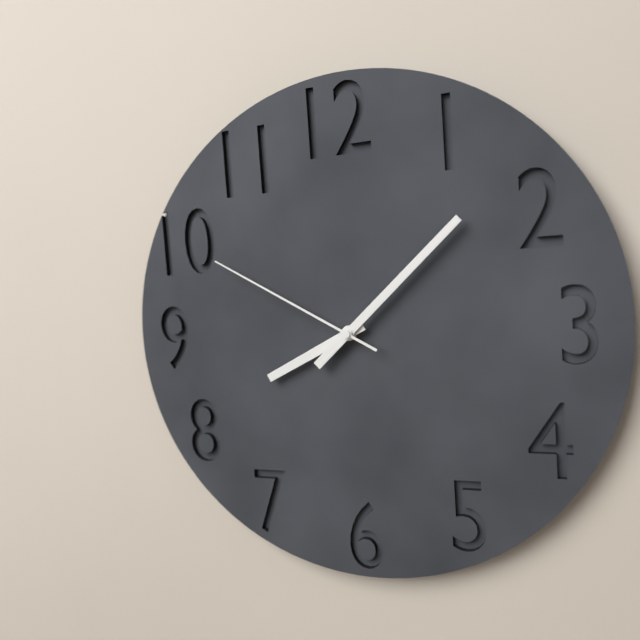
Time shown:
8,08,50
